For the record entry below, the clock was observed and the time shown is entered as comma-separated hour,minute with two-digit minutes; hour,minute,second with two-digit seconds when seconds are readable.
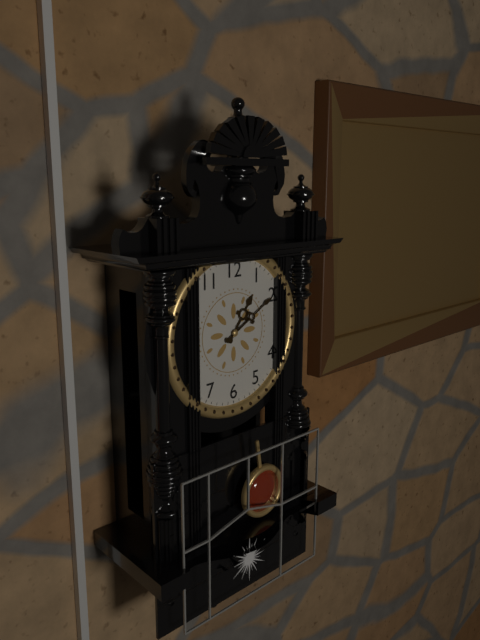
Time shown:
1,10
